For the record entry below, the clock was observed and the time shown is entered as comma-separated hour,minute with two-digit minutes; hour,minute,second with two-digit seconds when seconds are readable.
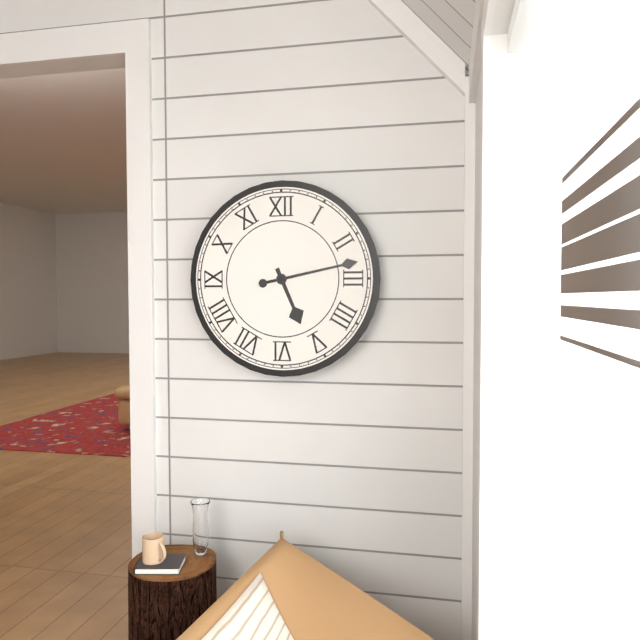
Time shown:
5,13
